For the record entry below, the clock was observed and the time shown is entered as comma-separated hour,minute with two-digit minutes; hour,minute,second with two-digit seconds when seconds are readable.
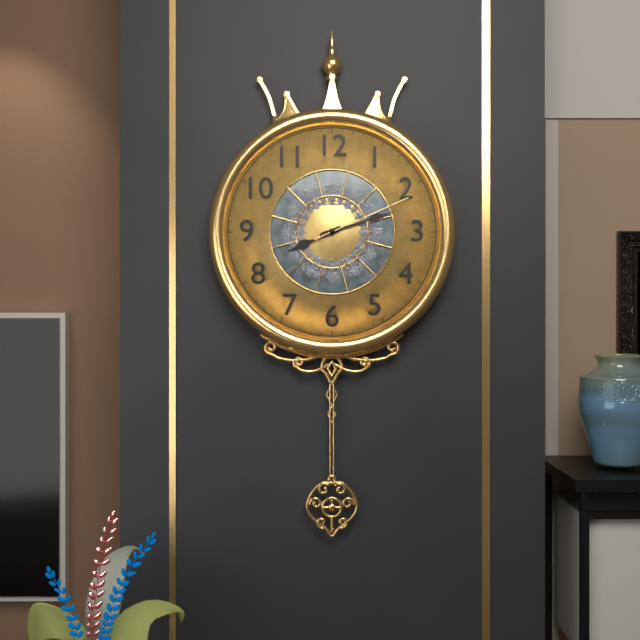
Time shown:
8,12,11
